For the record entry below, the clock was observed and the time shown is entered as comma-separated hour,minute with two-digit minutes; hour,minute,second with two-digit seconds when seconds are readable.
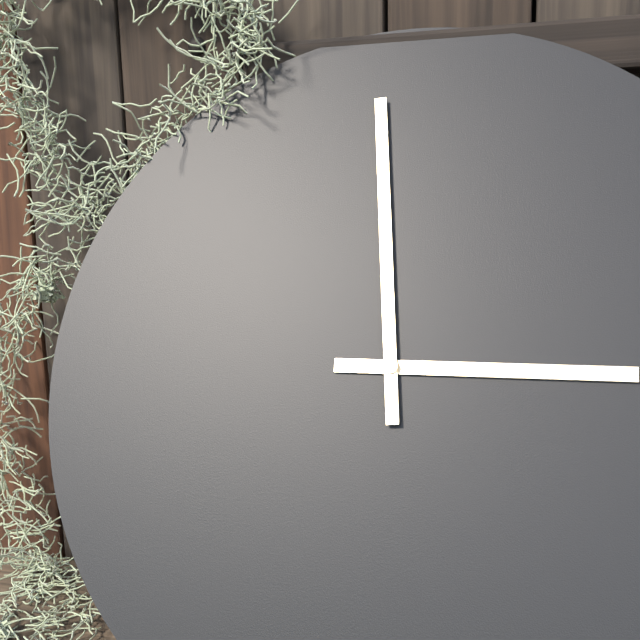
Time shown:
2,59
